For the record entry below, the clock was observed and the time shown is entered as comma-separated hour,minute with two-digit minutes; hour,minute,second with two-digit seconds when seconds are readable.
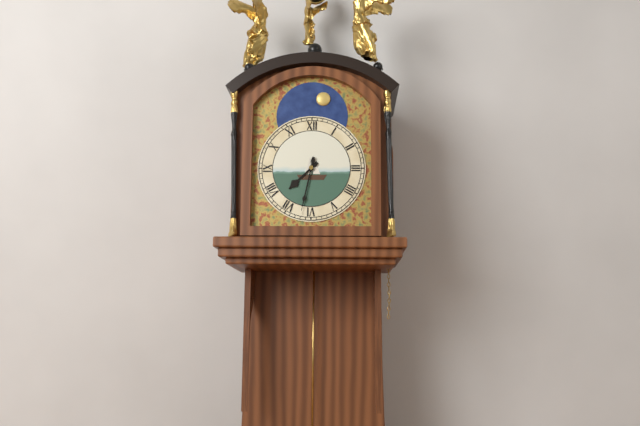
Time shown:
7,32
